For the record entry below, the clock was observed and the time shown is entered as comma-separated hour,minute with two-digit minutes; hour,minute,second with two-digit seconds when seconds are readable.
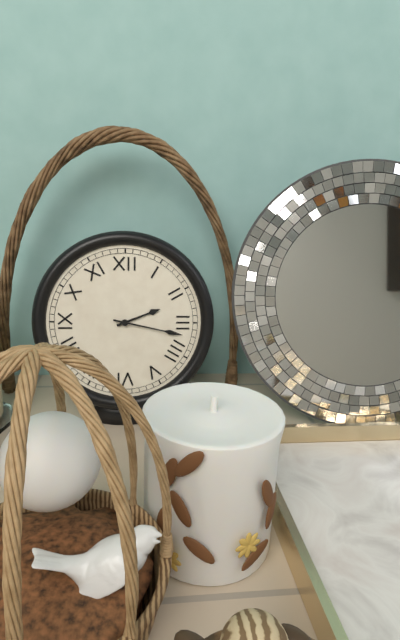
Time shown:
2,17
